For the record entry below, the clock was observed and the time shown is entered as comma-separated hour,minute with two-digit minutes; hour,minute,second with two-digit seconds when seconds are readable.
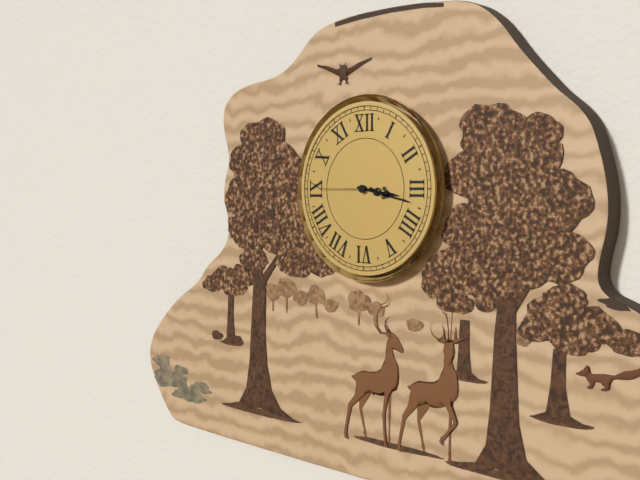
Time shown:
3,17,45
